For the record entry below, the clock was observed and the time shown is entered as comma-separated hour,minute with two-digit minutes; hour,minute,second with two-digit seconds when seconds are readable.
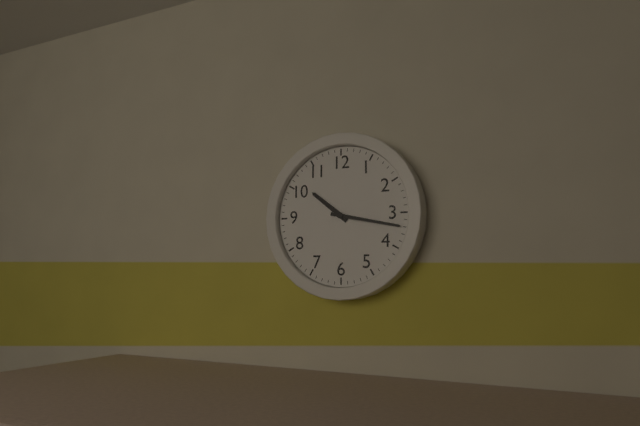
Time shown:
10,17
